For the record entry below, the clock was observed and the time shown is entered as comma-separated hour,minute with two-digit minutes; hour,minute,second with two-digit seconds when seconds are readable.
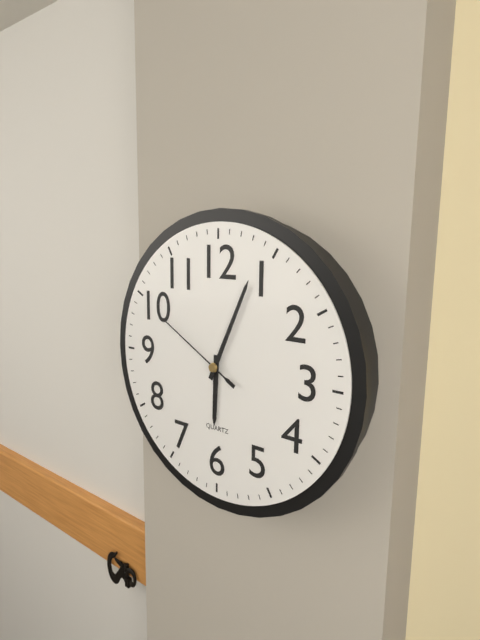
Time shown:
6,04,50
